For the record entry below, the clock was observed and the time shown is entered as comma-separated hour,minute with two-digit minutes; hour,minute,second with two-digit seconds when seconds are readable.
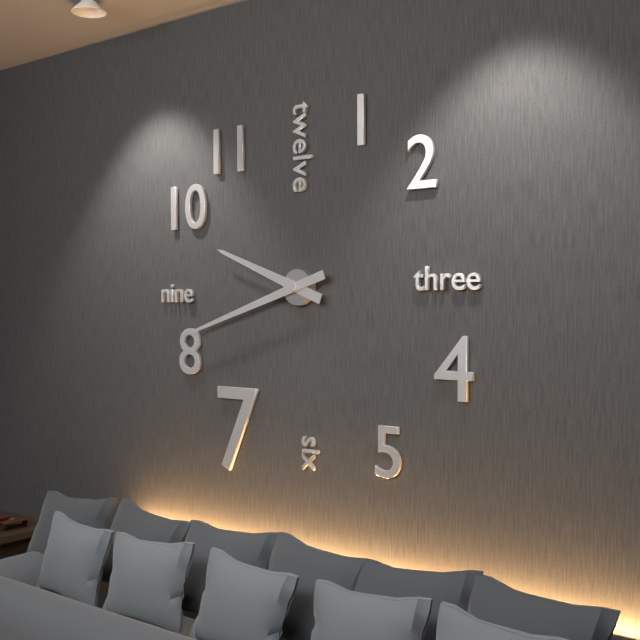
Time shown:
9,42
